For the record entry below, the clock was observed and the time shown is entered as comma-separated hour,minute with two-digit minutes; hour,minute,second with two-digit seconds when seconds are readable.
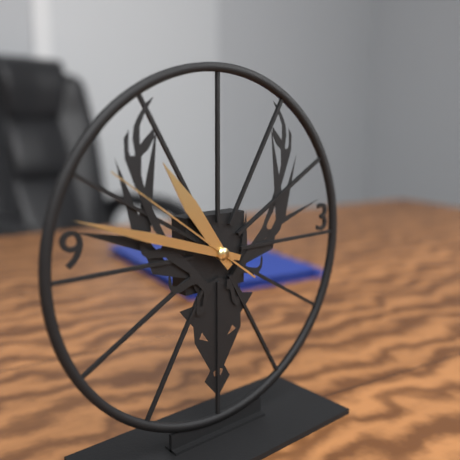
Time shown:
10,48,51
